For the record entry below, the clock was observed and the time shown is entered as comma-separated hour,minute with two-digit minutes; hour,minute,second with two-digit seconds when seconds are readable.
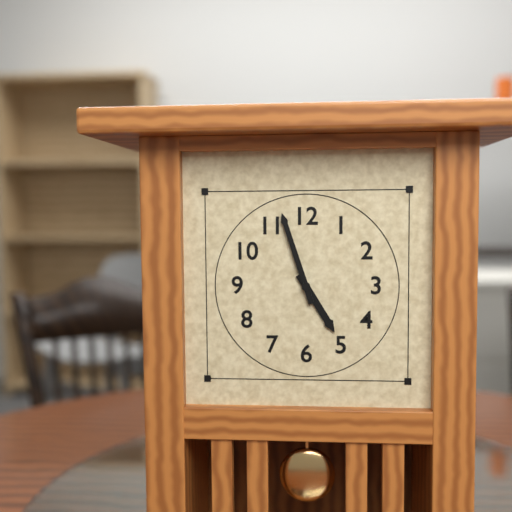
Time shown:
4,57
